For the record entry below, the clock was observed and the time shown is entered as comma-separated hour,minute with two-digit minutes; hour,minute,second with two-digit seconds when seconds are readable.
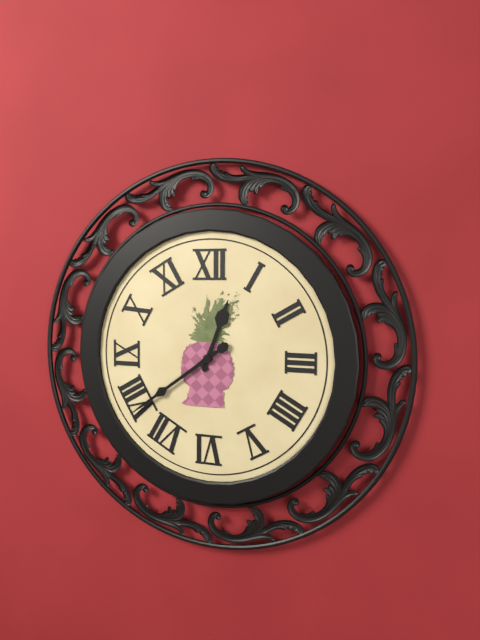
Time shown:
12,39
